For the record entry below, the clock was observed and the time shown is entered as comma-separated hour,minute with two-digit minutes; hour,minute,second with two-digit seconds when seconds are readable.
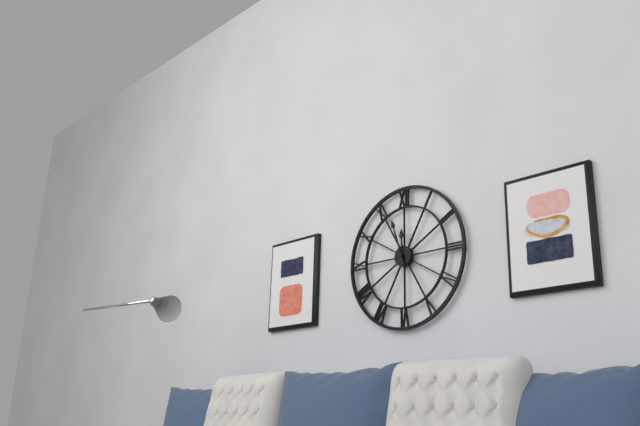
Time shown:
11,57
